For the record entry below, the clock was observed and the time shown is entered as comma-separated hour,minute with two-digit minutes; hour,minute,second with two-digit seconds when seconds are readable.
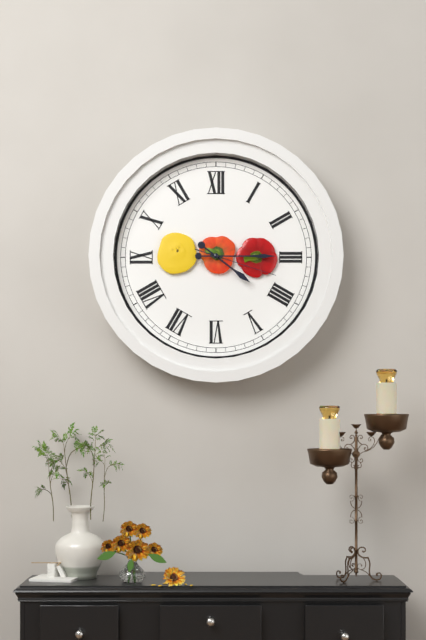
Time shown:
4,15,18
